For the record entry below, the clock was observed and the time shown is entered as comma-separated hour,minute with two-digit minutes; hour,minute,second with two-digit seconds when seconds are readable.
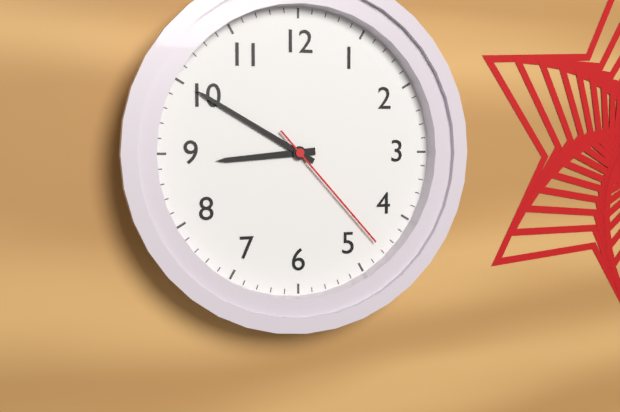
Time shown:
8,50,23
